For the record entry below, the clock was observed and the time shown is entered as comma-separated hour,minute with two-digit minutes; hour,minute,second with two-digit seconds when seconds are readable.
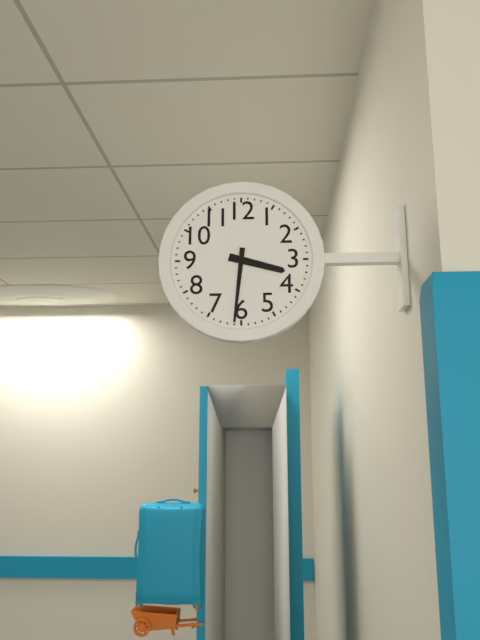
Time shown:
3,31
